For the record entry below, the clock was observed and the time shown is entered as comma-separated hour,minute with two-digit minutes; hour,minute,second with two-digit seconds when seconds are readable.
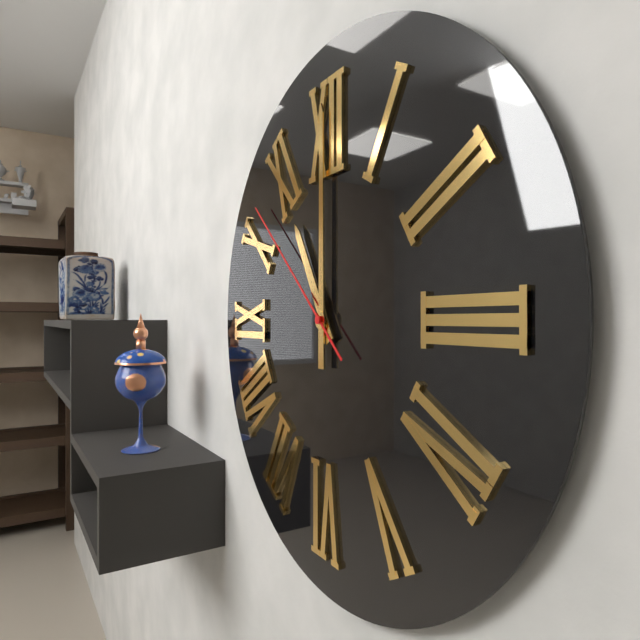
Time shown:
11,00,52
